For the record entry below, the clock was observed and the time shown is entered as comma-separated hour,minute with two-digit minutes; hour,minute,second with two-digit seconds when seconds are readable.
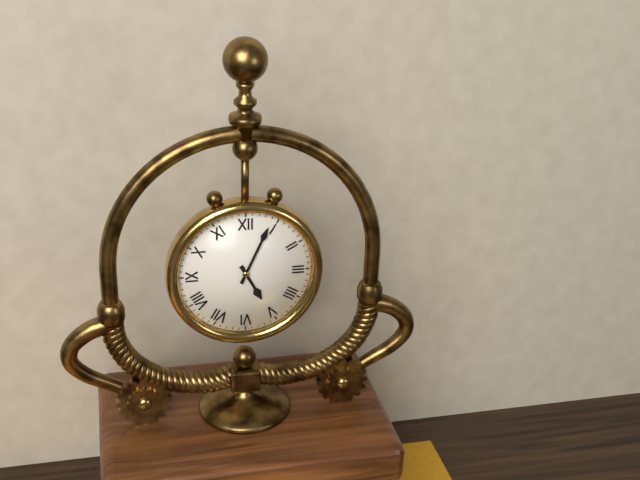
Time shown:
5,04
